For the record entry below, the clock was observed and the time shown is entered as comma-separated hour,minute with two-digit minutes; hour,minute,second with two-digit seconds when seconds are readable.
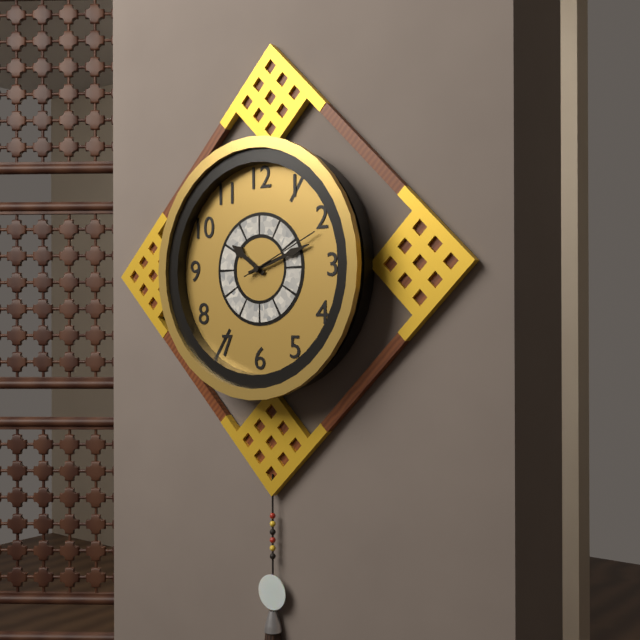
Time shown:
10,12,11
